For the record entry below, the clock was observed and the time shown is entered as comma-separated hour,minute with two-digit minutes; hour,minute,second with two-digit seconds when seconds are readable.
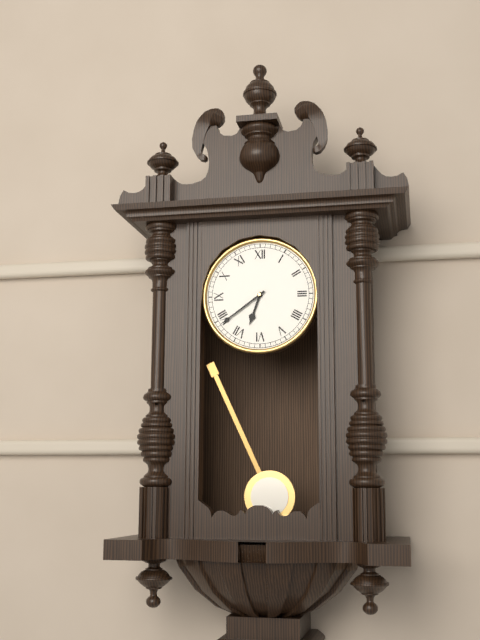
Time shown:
6,39
